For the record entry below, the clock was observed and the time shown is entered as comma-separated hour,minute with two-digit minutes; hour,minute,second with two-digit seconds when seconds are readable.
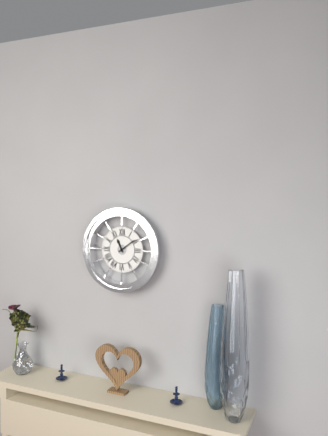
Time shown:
11,09
